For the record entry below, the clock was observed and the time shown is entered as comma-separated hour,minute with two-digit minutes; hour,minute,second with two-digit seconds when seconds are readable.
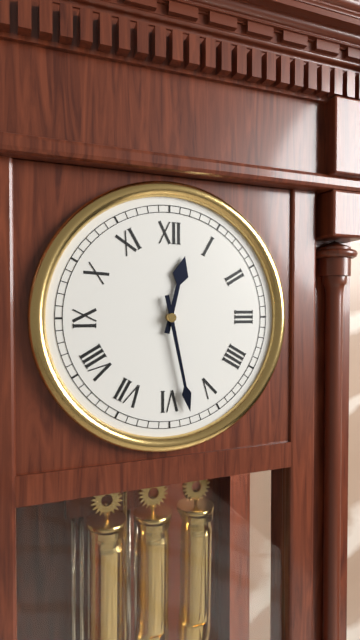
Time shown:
12,28
